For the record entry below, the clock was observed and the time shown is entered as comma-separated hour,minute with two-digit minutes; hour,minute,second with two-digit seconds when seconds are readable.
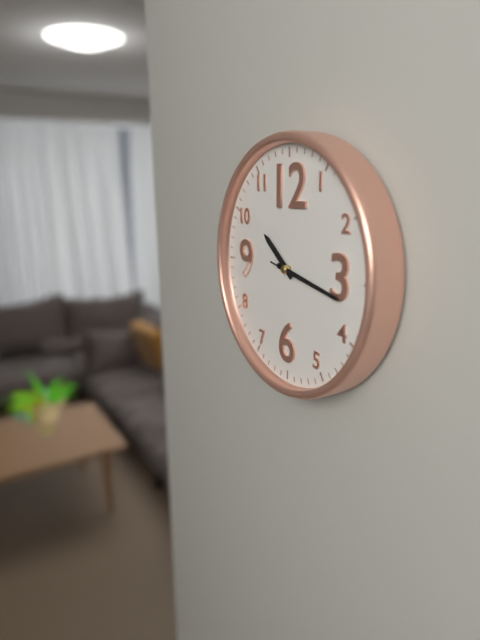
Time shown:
10,17,17
